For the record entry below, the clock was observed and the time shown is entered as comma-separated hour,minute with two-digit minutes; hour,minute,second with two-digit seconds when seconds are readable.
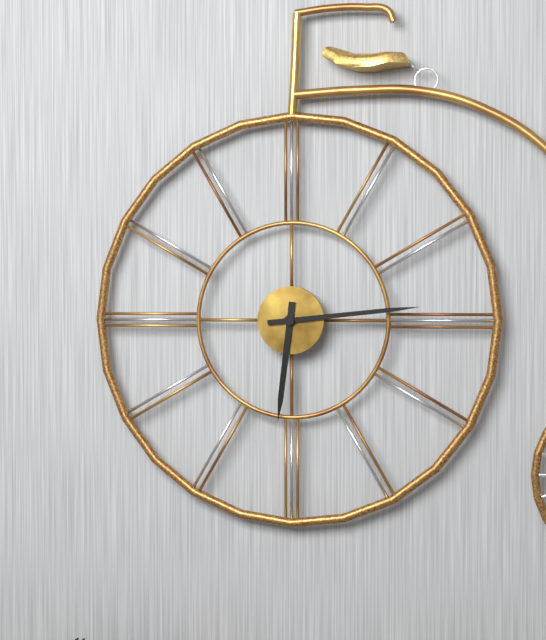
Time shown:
6,14
